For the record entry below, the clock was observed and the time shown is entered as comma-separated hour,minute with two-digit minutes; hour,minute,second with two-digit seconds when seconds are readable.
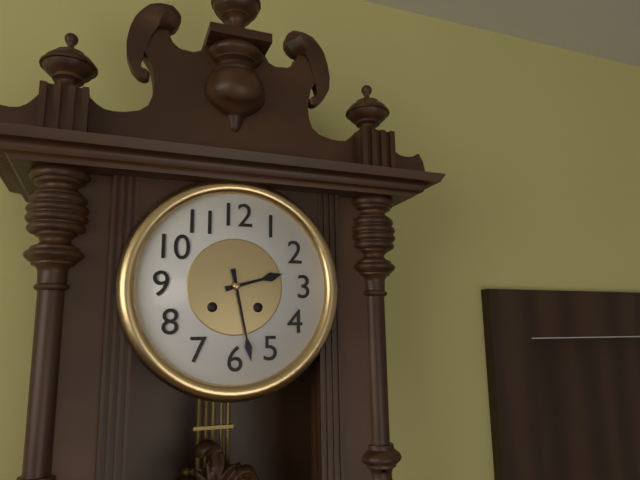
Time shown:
2,28
